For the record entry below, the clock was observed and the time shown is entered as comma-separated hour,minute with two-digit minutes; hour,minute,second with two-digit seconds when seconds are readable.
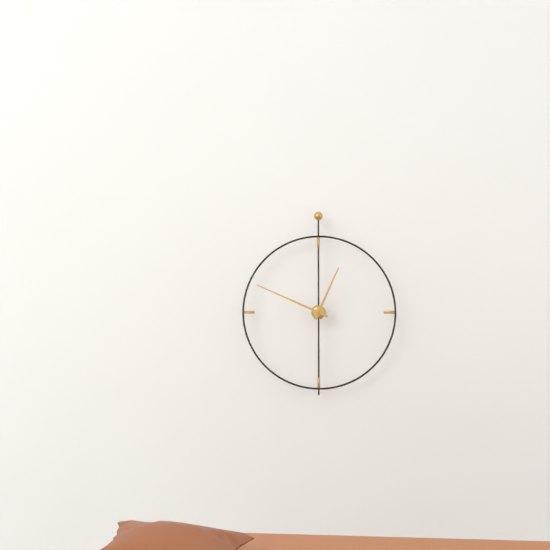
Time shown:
12,49
